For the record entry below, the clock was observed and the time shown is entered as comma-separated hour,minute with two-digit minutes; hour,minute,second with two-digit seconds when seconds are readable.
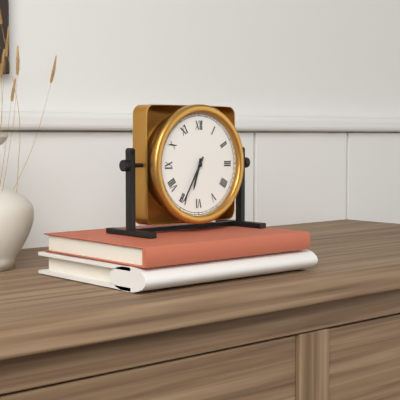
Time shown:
6,35
